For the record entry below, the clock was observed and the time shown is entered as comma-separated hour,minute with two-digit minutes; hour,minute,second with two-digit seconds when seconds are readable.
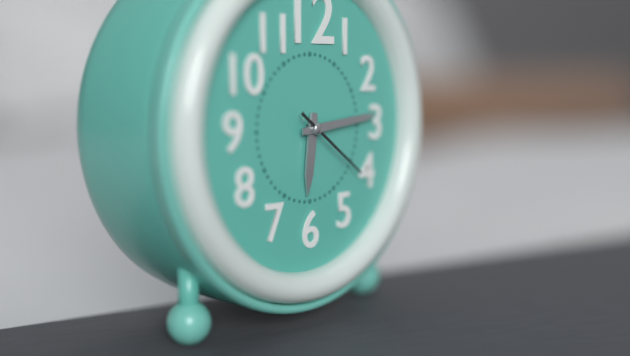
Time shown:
6,14,21
